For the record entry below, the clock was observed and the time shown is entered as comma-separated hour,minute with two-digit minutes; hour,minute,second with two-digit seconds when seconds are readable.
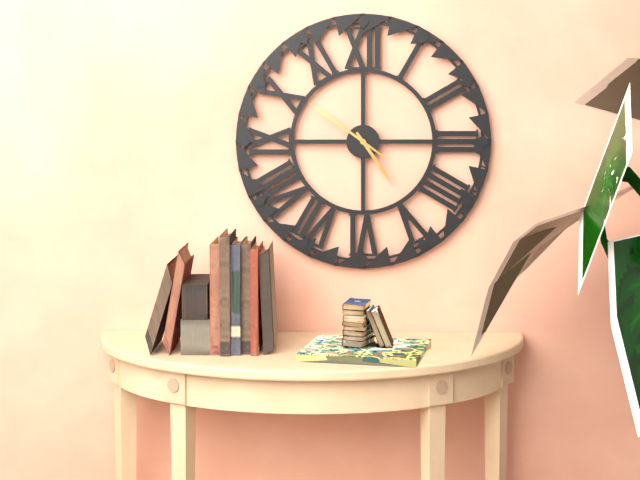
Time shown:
4,51
